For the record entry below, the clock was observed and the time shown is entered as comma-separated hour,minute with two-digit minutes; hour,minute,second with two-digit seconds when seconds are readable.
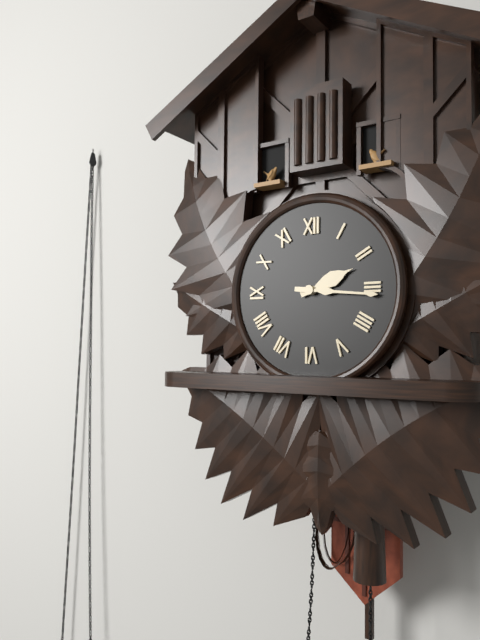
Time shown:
2,16
